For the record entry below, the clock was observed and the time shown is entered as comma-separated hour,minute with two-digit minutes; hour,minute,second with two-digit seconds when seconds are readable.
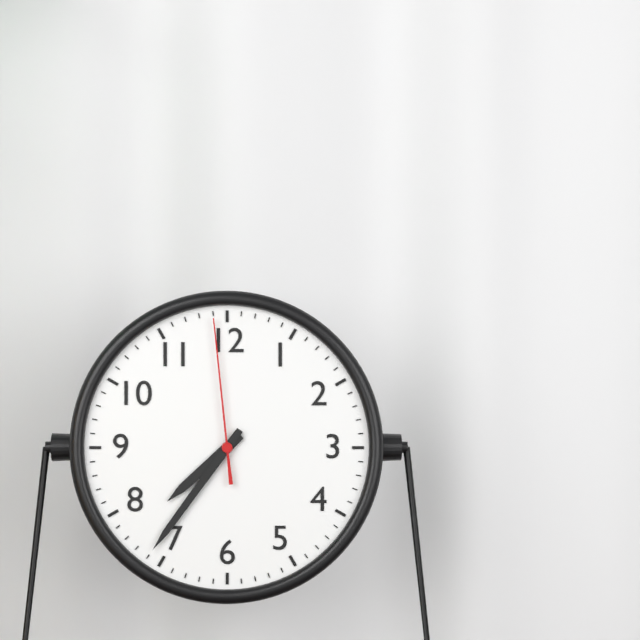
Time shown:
7,36,59
